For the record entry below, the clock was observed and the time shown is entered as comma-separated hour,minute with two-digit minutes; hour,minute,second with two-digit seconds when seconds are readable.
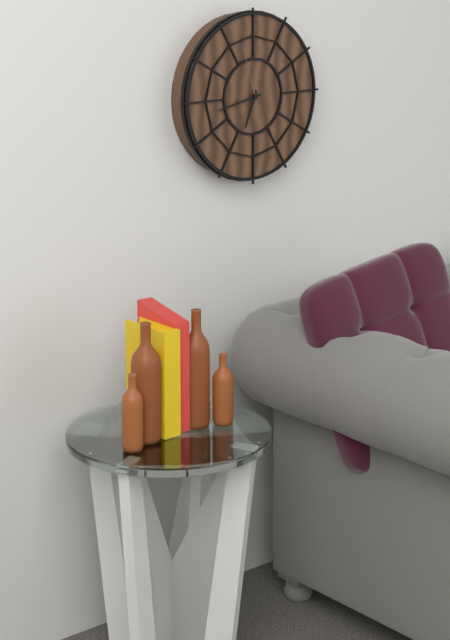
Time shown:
6,43,57
